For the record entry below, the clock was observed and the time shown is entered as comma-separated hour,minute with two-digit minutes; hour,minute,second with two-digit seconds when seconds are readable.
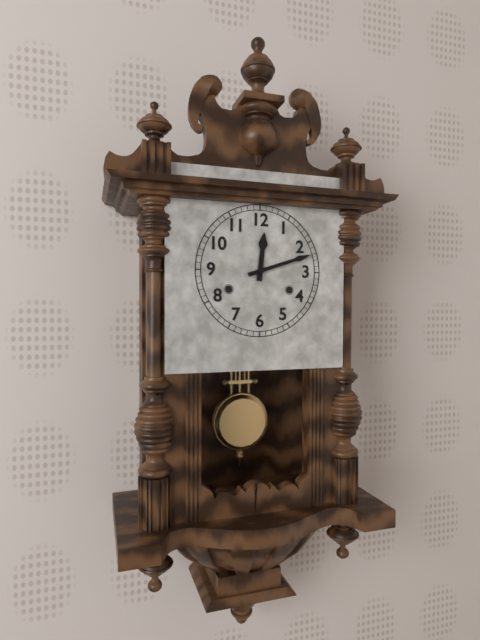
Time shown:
12,12
